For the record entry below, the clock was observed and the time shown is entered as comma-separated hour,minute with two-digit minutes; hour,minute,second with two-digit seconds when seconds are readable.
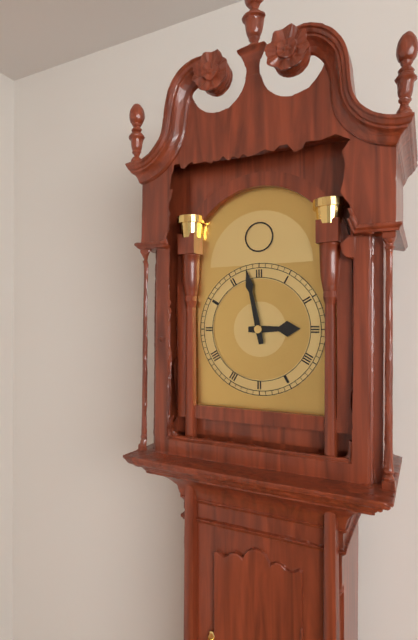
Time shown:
2,58
